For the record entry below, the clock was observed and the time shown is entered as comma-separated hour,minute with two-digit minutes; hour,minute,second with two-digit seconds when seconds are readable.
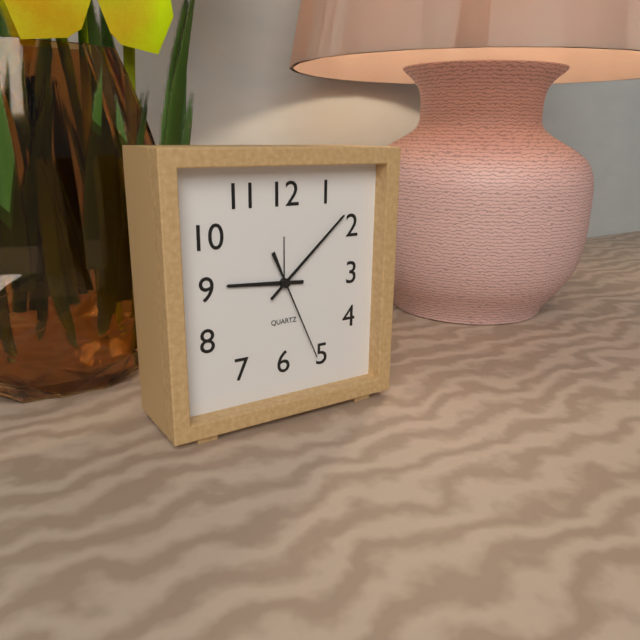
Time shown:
9,08,26
